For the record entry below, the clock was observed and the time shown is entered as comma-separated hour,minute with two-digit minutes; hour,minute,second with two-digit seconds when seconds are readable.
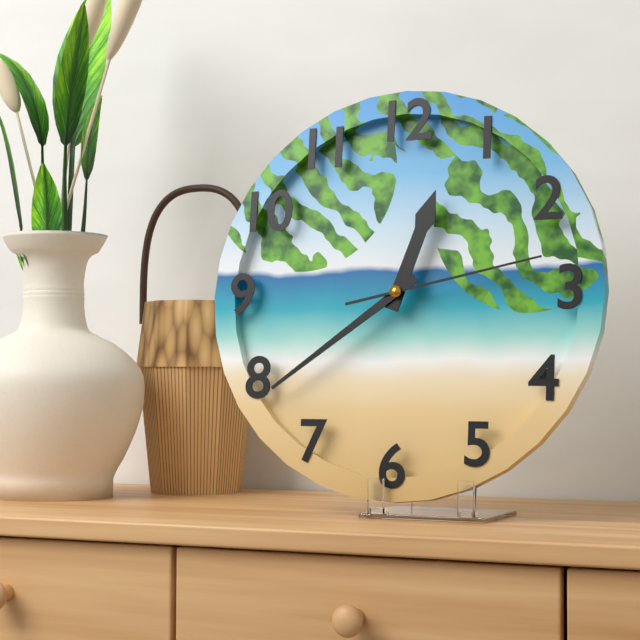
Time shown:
12,39,13
